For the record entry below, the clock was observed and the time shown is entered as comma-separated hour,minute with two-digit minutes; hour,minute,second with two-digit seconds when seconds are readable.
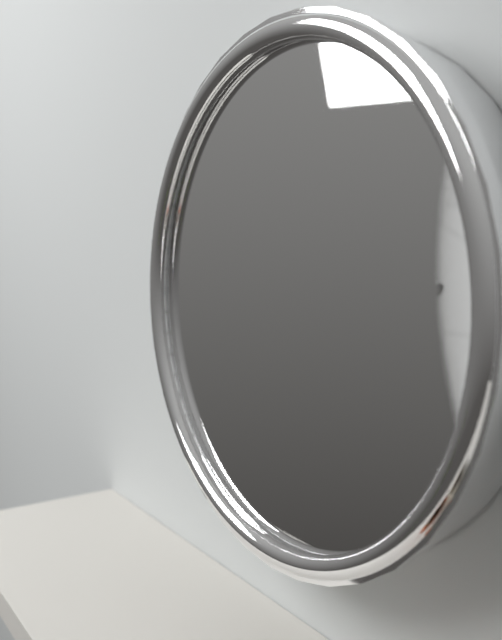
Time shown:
4,51
